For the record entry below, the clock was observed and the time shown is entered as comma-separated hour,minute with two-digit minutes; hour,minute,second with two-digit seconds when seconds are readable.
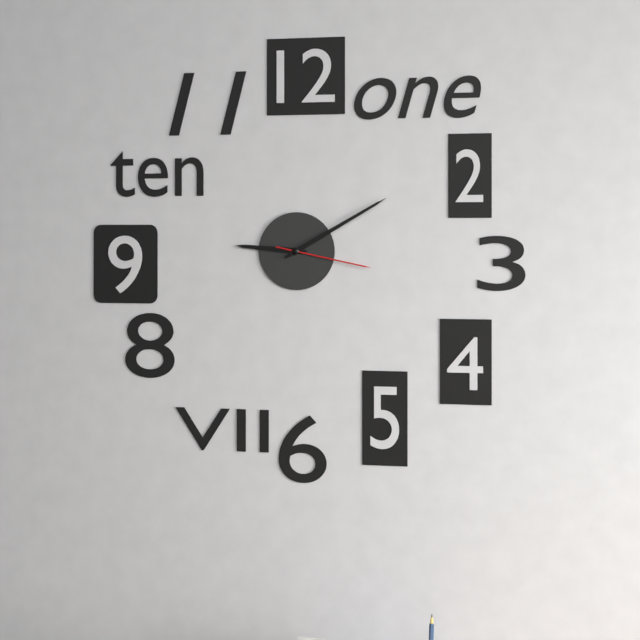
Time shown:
9,10,17
